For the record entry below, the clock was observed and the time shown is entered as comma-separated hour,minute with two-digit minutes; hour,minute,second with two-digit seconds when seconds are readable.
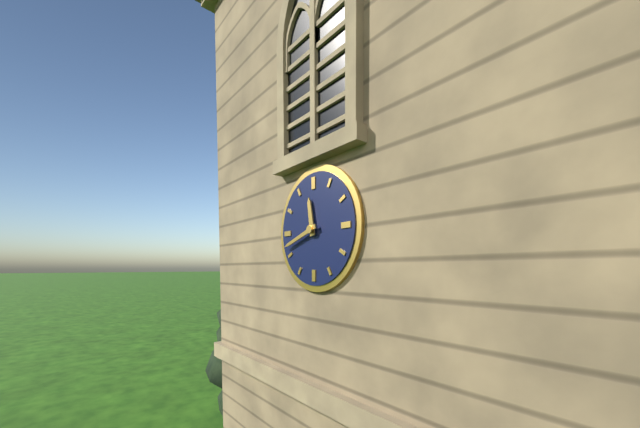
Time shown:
11,42
